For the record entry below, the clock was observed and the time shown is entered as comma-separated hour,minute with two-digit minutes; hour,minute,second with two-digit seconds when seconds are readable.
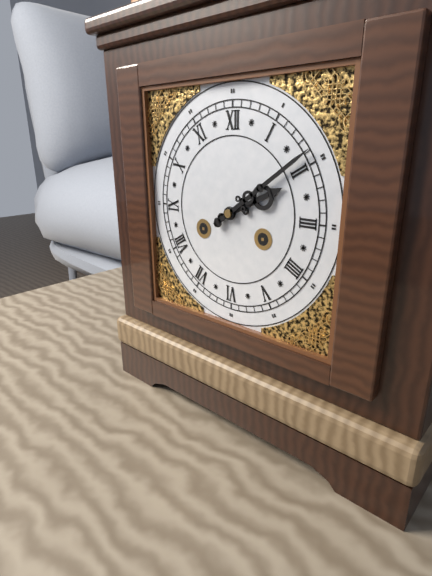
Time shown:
2,09
